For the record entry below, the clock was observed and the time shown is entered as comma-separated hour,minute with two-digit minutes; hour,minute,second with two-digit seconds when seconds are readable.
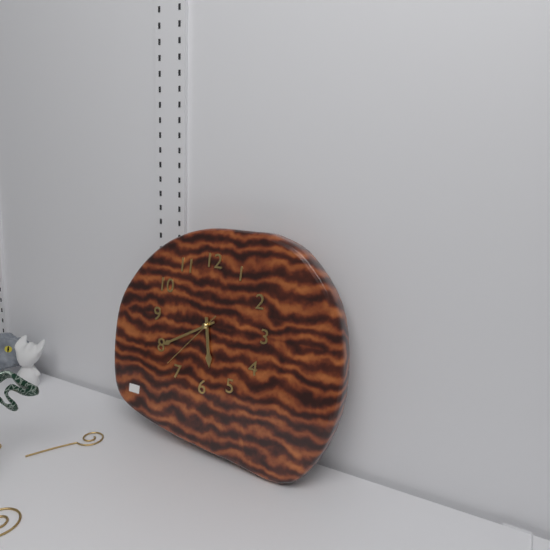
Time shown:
5,40,37
